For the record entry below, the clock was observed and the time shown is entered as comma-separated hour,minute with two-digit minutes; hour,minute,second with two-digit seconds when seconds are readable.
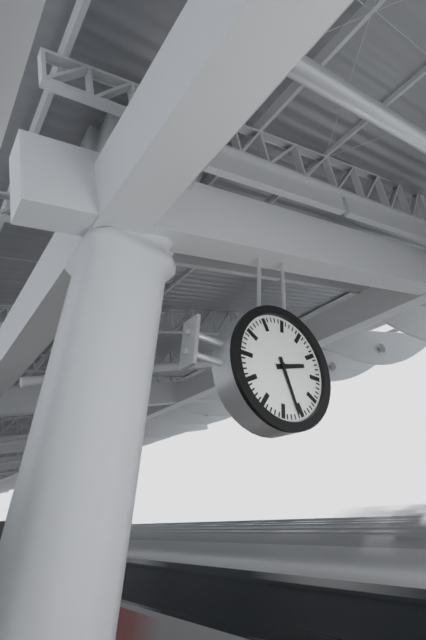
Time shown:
2,26
